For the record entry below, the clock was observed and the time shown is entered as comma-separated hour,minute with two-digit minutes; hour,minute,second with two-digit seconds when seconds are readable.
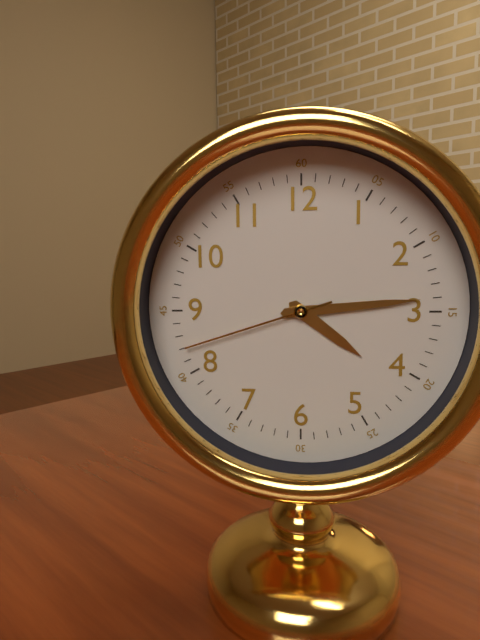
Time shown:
4,14,42
